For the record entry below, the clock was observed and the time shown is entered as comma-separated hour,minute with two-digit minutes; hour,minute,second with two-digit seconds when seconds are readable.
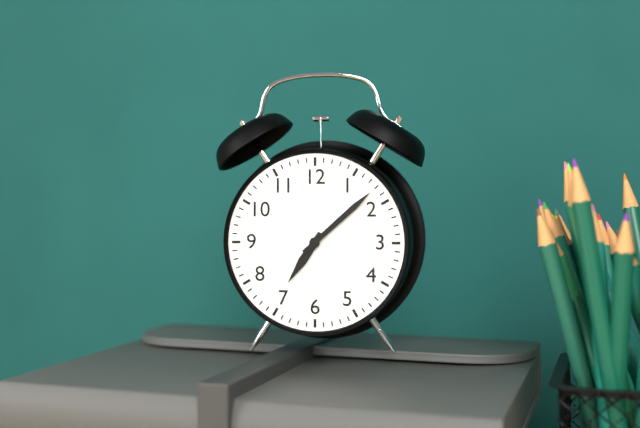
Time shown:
7,08
